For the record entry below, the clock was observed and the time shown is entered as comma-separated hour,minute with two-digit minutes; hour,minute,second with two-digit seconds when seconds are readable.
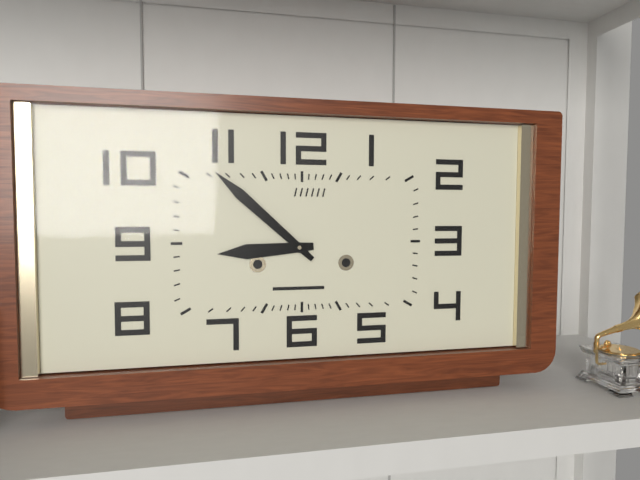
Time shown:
8,52
